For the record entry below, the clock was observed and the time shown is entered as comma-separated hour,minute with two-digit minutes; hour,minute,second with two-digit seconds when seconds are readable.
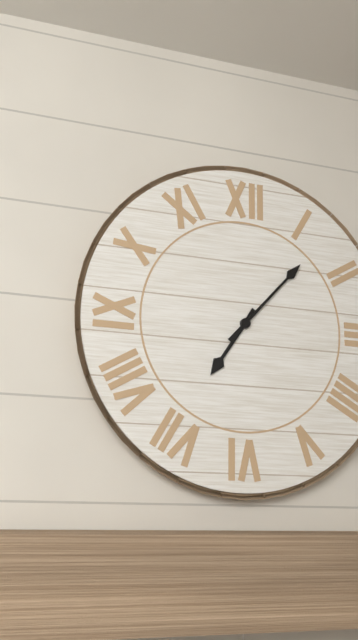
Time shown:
7,07
